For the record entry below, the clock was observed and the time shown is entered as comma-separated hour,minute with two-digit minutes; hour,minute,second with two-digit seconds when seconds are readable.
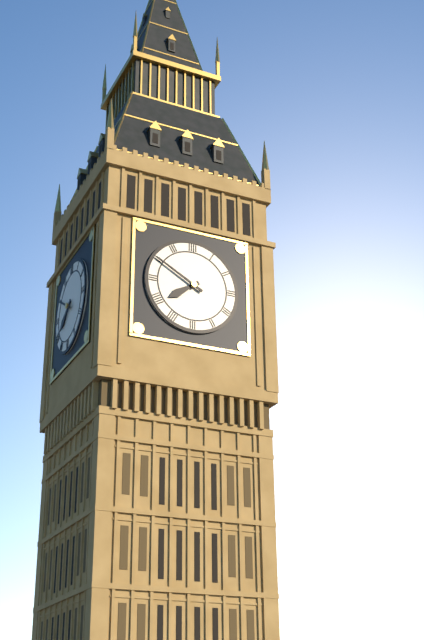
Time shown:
7,50
